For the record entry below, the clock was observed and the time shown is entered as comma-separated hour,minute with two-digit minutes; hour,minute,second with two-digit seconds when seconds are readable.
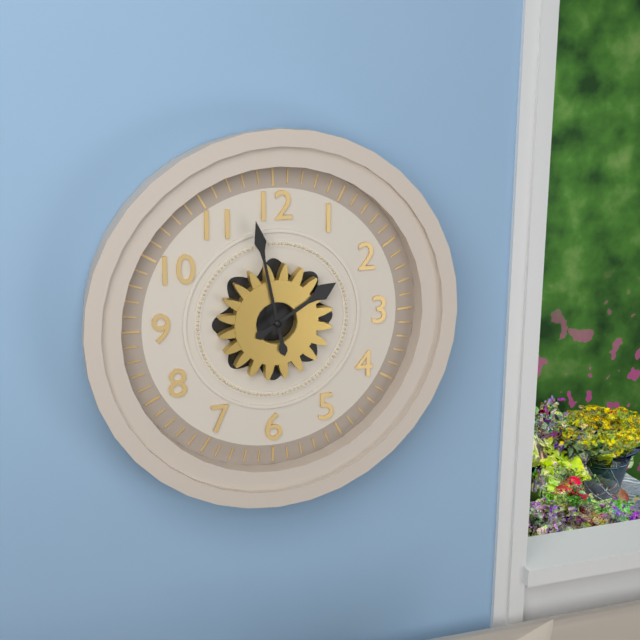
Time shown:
1,58
